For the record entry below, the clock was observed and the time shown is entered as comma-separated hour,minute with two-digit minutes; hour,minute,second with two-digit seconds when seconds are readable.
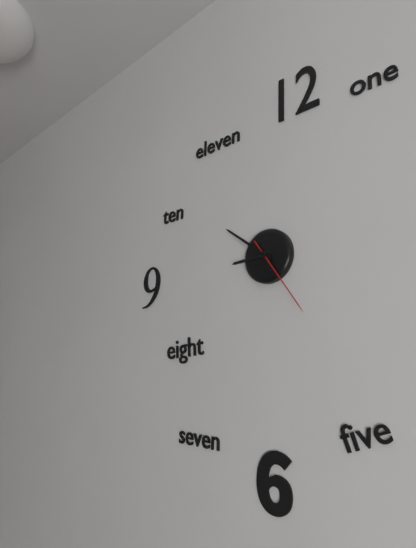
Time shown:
8,51,24
